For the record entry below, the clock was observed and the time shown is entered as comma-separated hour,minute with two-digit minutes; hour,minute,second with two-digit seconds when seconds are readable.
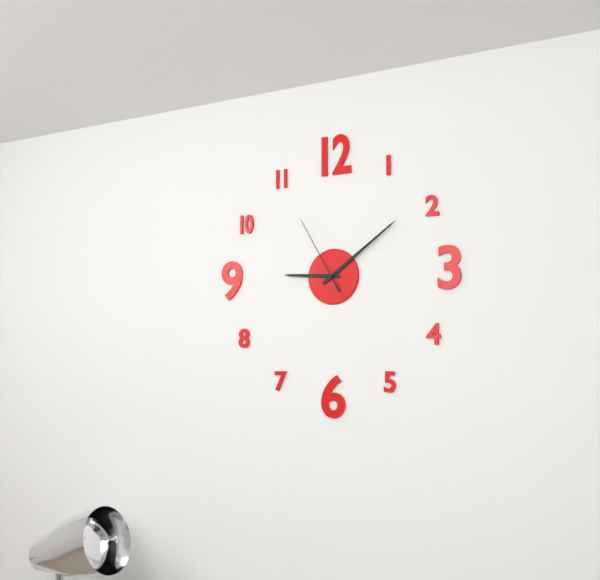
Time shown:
9,09,55
